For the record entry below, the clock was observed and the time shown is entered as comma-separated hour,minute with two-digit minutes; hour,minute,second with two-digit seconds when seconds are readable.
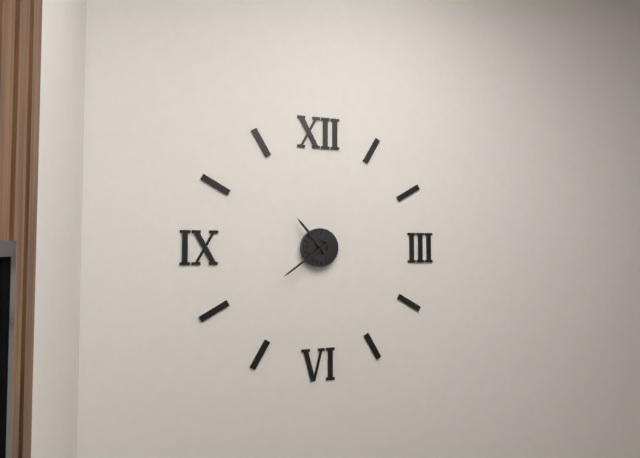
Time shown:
10,39
